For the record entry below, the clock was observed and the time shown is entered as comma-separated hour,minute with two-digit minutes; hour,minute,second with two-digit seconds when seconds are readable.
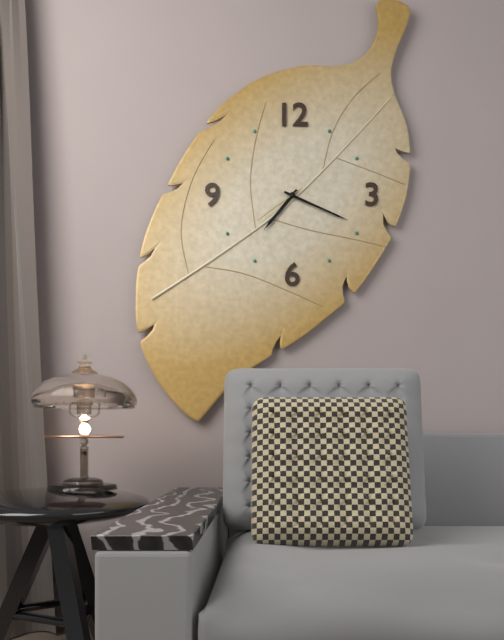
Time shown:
7,19,39
